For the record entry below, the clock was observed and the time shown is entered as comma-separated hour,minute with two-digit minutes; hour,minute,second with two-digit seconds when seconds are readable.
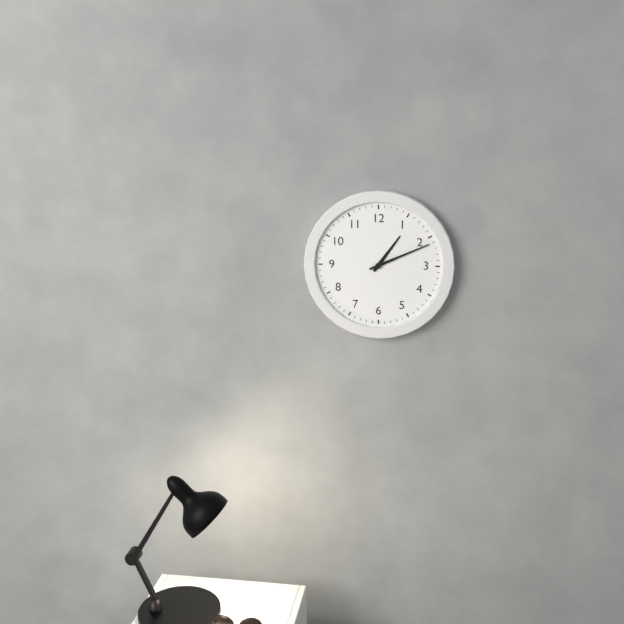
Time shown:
1,11
